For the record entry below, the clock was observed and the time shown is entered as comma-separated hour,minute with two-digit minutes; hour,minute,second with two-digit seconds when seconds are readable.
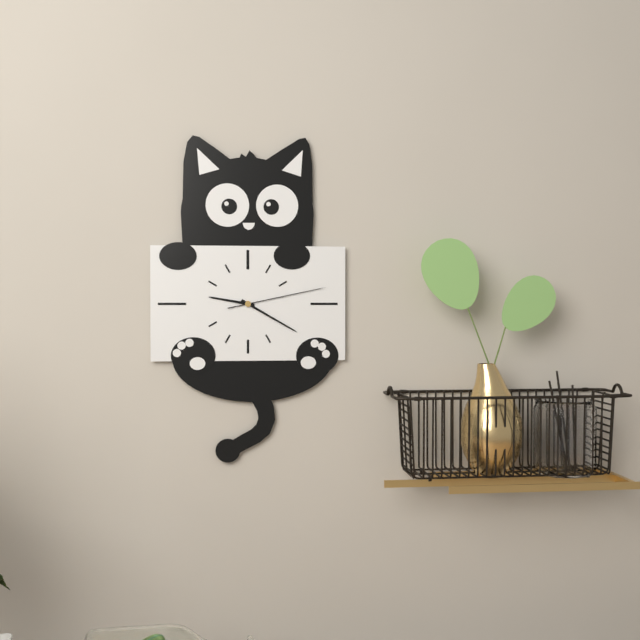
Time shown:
9,20,13
